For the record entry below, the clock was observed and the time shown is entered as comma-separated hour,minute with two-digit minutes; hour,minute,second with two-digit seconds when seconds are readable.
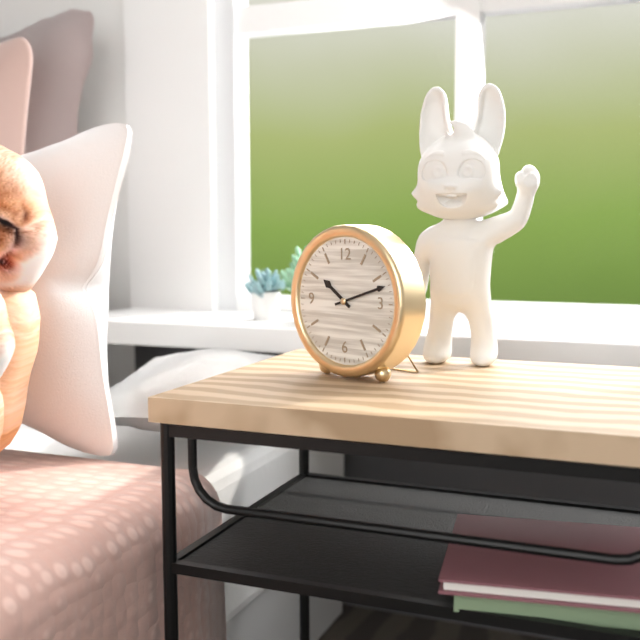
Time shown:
10,12
